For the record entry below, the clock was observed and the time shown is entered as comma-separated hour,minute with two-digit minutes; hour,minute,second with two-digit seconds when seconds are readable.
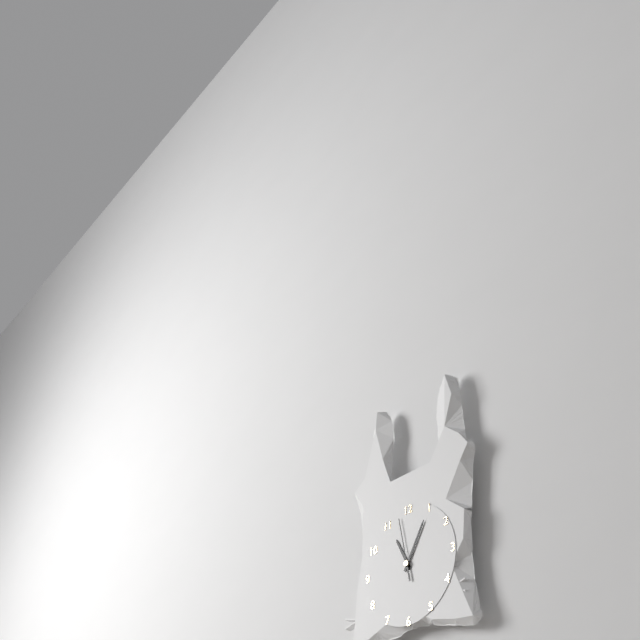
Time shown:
11,05,58
